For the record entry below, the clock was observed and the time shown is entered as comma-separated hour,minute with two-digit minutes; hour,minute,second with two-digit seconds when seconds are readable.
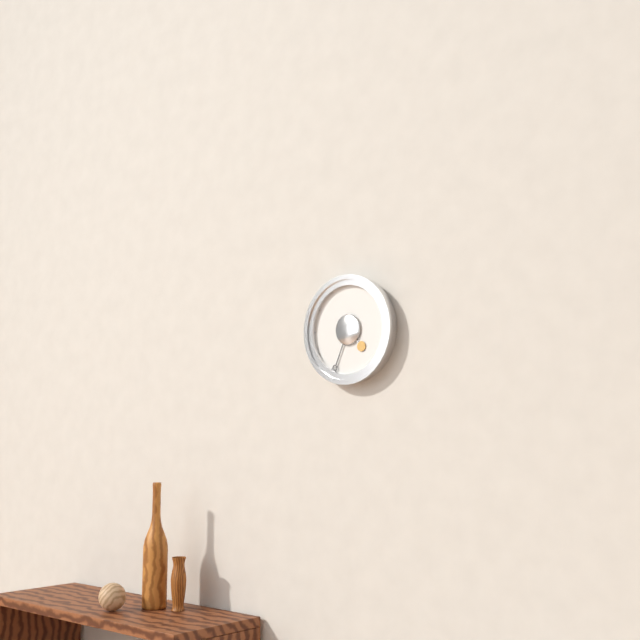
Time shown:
4,34
